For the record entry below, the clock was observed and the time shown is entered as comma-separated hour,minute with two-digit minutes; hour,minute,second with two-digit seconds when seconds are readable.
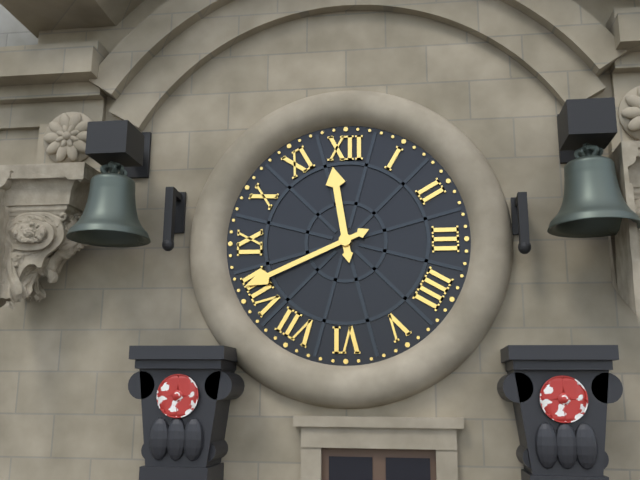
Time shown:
11,41
